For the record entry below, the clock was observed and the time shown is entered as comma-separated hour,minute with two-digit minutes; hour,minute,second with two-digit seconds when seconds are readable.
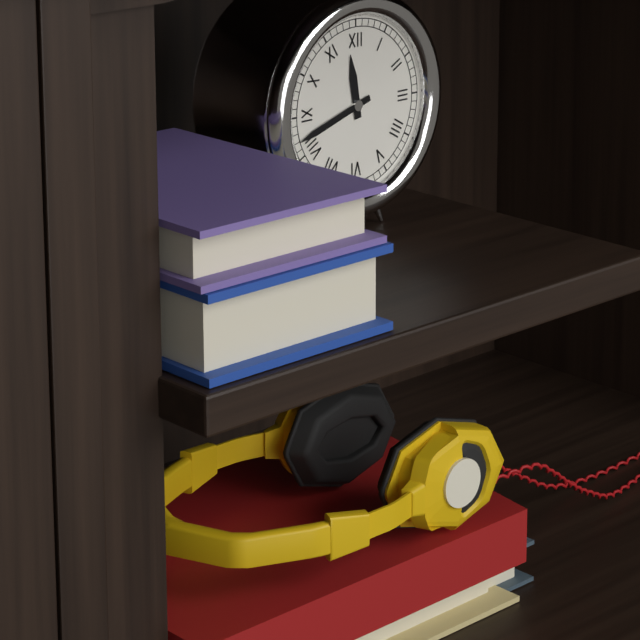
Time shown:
11,42
